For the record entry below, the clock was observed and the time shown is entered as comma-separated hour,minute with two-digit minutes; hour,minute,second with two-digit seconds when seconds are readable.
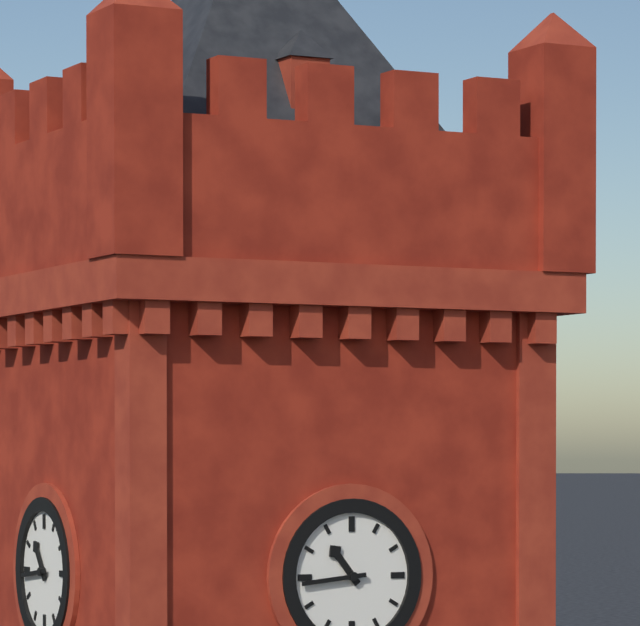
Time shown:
10,44
